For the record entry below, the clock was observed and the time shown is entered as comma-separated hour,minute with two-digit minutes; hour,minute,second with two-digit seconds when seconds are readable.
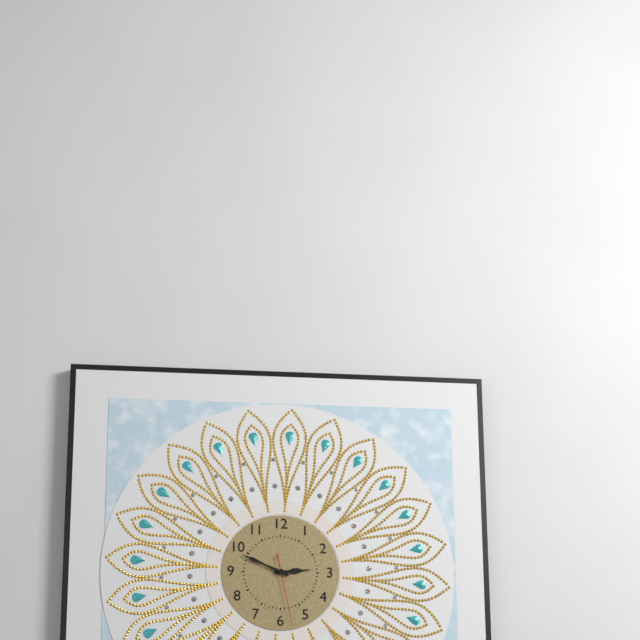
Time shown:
2,49,28
